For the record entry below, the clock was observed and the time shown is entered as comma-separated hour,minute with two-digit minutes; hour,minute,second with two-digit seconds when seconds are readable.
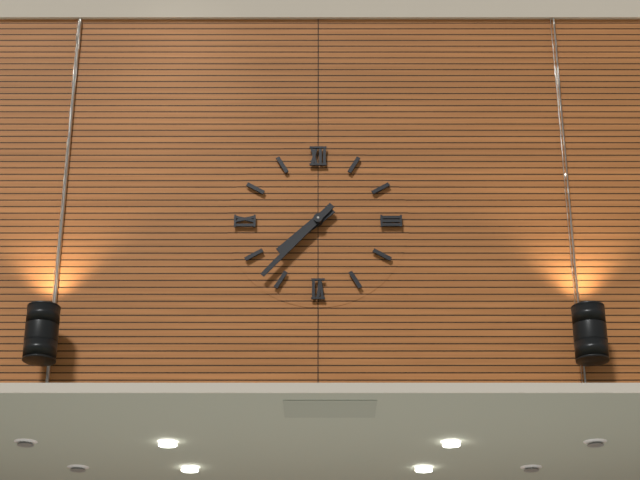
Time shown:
7,37
